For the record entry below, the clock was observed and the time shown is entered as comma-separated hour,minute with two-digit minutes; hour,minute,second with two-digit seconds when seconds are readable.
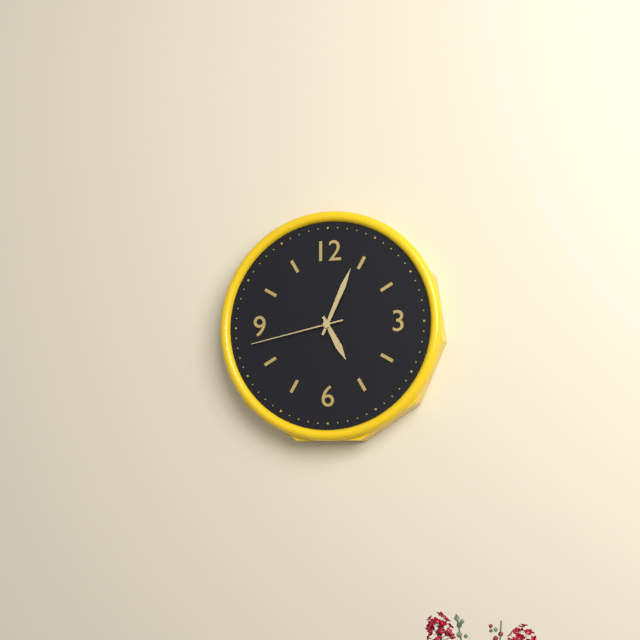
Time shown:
5,04,43
